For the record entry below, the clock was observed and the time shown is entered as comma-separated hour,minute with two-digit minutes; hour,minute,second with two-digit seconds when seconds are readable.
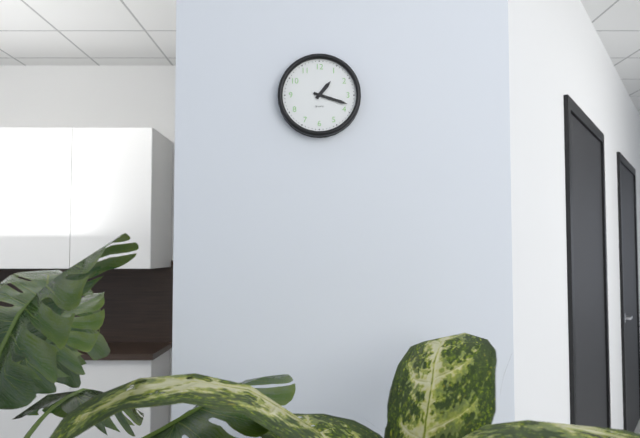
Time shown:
1,18
